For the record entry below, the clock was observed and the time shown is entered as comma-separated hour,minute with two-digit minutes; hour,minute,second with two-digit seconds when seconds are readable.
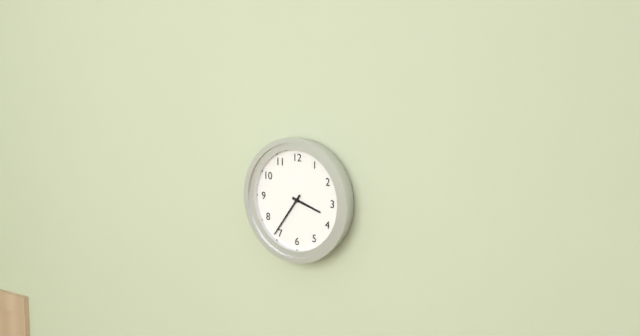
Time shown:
3,36
